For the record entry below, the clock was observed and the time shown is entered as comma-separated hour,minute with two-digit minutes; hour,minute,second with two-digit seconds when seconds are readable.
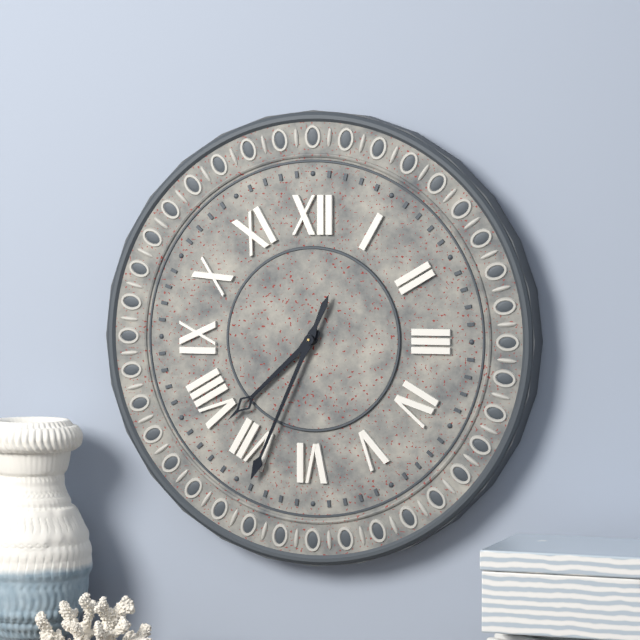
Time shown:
7,34
